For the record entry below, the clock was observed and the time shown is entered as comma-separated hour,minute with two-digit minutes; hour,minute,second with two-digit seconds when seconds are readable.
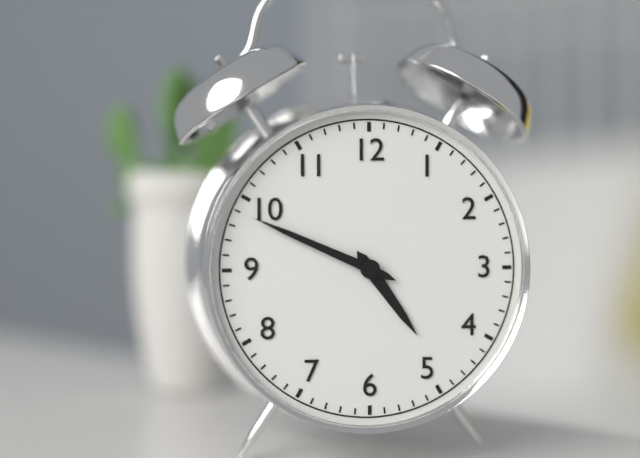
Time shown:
4,49
